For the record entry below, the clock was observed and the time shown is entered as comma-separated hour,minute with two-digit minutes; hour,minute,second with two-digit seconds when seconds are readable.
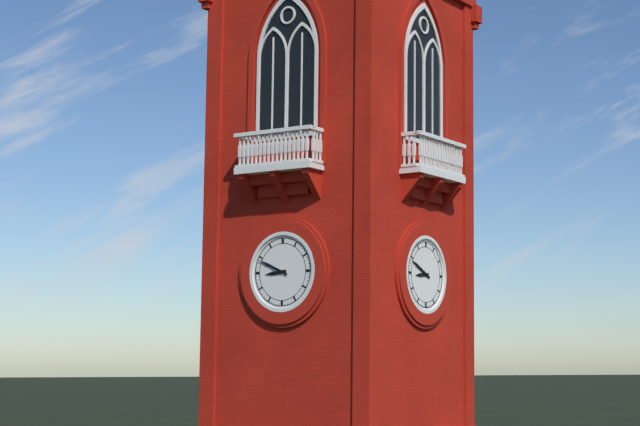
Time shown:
8,49
